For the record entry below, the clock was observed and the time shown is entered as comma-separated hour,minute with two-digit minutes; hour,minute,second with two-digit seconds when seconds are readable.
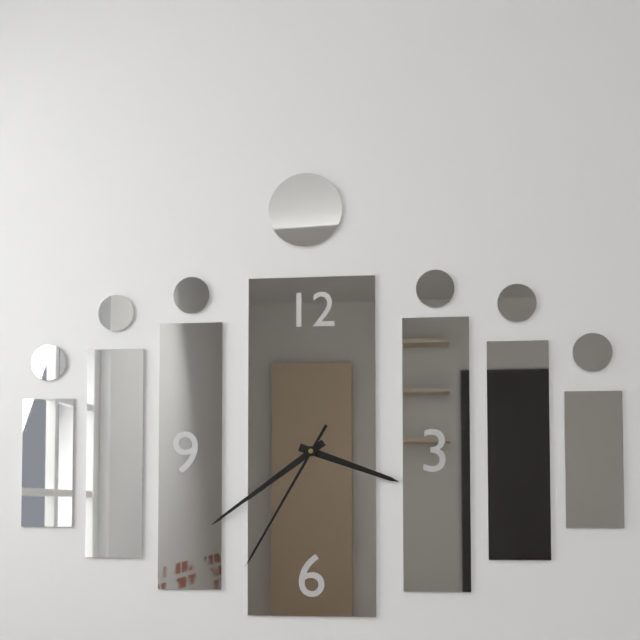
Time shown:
3,39,35
